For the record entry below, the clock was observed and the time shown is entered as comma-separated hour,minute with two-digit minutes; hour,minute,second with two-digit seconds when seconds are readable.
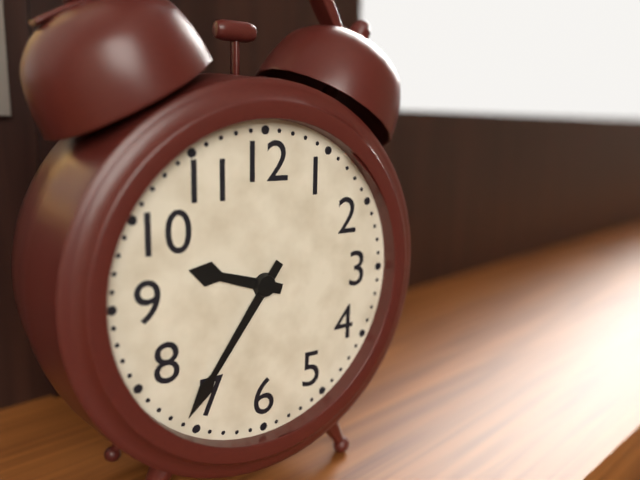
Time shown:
9,36
